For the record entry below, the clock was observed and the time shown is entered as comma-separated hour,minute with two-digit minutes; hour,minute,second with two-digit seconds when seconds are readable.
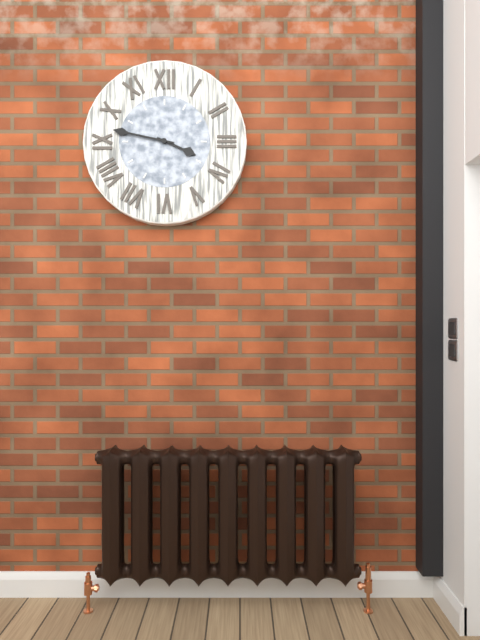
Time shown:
3,47
